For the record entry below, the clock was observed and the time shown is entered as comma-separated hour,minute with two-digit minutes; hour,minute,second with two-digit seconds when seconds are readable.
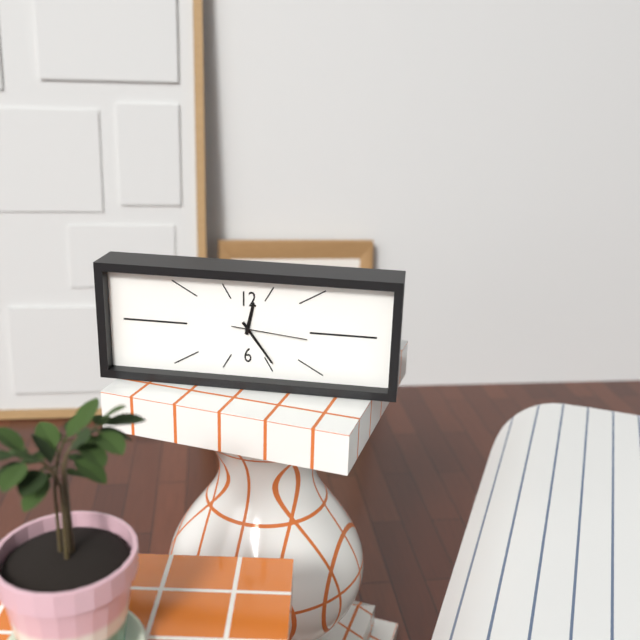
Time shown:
12,24,16
